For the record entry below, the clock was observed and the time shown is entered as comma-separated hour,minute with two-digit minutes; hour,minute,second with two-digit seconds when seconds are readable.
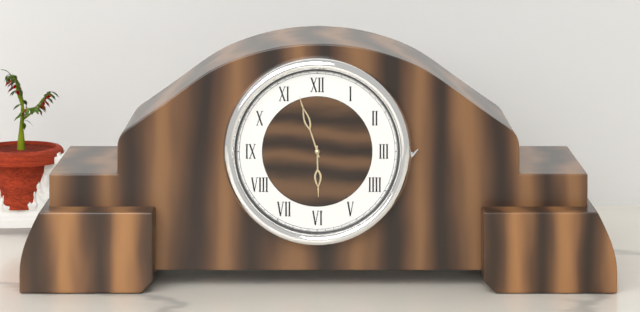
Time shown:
5,57
